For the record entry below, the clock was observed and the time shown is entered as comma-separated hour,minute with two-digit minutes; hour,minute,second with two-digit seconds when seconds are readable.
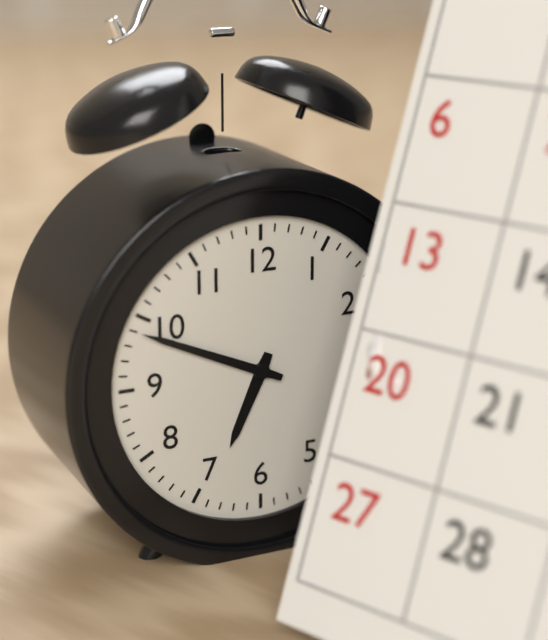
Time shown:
6,49
